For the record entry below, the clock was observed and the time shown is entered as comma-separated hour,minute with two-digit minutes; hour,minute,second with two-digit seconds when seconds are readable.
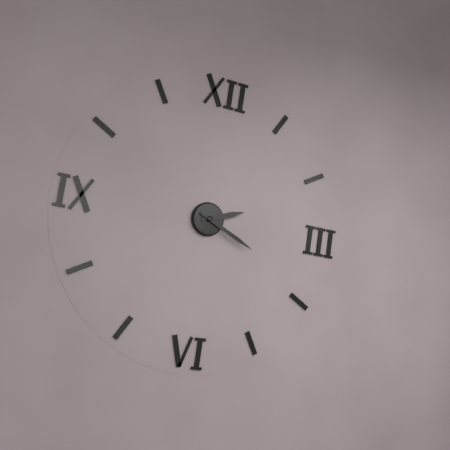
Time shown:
2,19
